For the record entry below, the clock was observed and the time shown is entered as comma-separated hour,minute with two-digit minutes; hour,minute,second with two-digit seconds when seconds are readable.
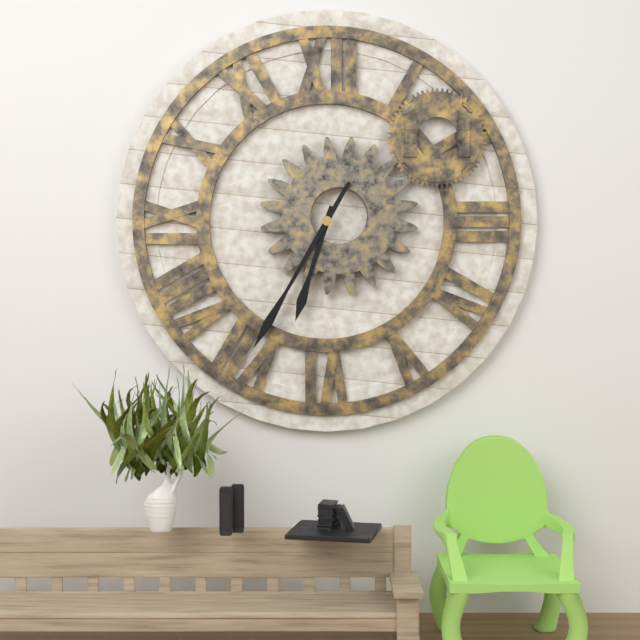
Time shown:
6,35
